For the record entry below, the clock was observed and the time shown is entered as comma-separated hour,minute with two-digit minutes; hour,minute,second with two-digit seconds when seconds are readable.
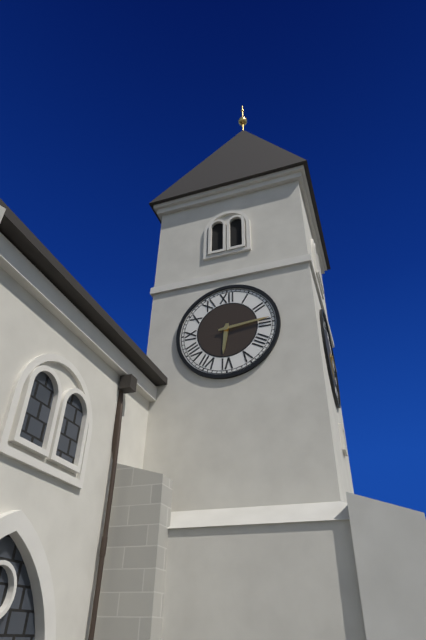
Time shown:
6,14
